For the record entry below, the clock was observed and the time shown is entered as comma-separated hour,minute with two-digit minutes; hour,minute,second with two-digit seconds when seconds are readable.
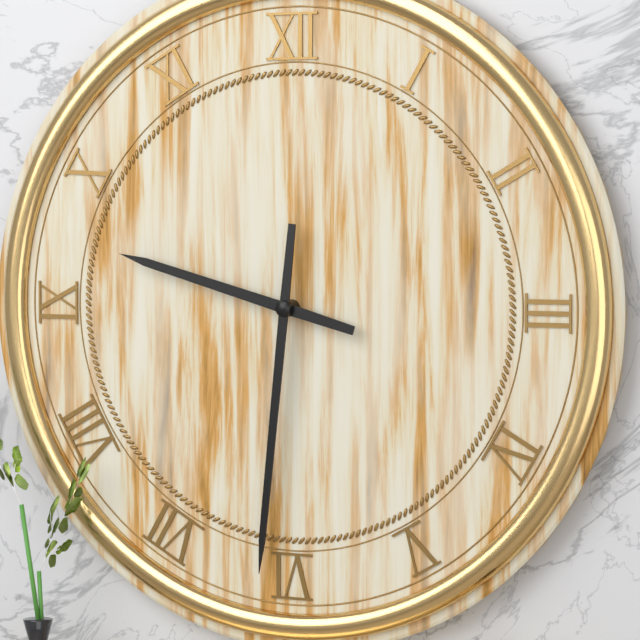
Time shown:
9,31
